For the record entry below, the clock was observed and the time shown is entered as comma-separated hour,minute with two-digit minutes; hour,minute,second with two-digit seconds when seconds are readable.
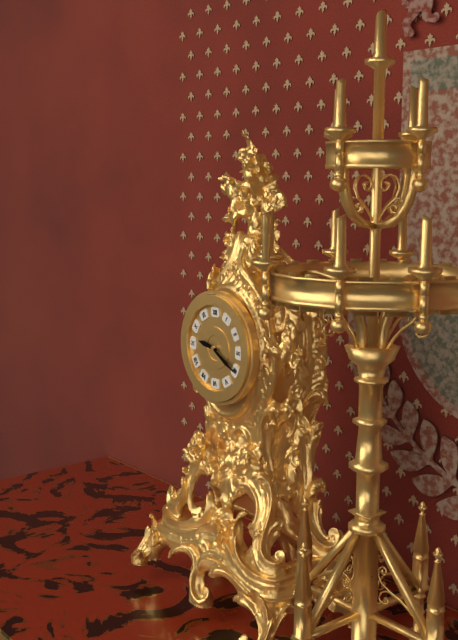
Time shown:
9,20
